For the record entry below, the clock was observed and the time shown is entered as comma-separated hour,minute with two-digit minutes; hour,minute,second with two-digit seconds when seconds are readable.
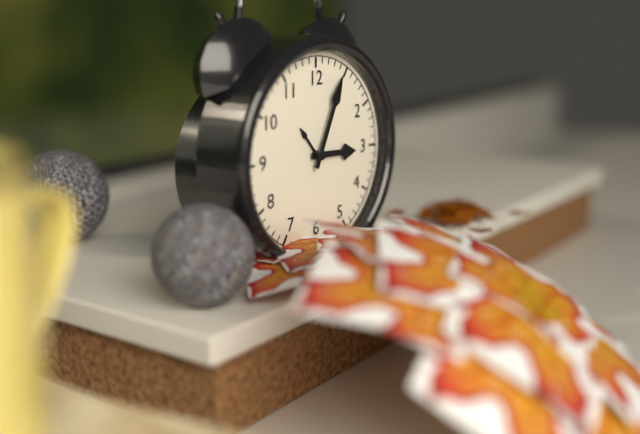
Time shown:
3,04
